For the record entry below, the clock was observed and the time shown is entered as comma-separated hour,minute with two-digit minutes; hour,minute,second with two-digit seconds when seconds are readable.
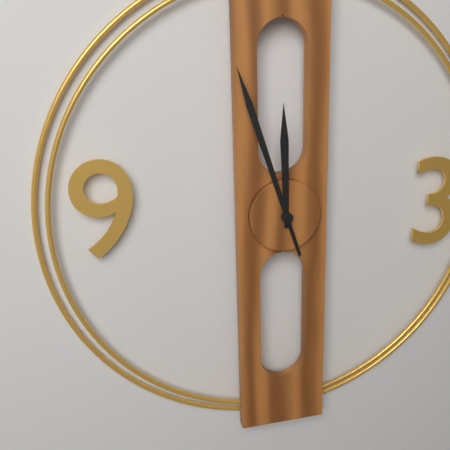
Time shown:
11,57
